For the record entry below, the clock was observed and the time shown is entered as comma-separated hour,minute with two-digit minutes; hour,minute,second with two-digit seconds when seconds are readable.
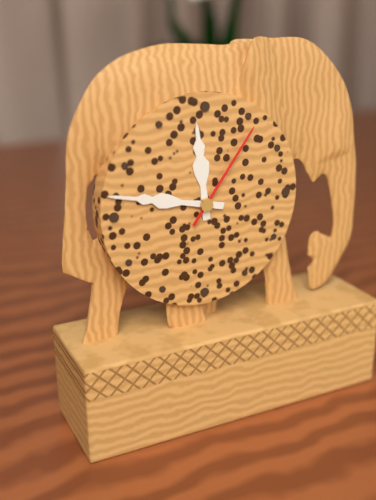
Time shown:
11,47,06
